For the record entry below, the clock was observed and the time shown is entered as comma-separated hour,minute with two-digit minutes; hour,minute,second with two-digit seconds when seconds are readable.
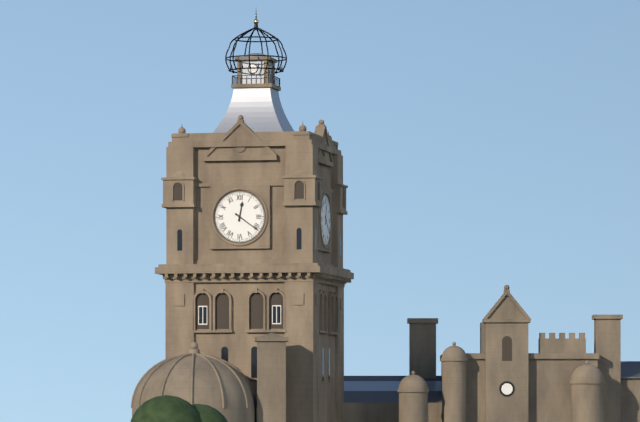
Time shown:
12,21
